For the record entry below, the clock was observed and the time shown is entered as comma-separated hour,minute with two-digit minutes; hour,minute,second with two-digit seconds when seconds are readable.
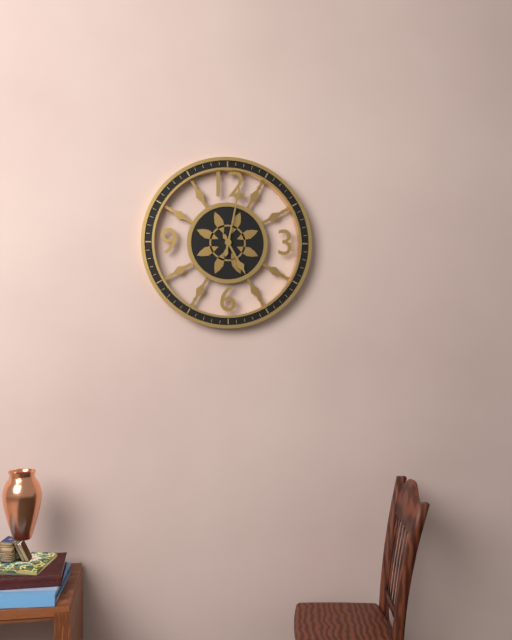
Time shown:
5,02
